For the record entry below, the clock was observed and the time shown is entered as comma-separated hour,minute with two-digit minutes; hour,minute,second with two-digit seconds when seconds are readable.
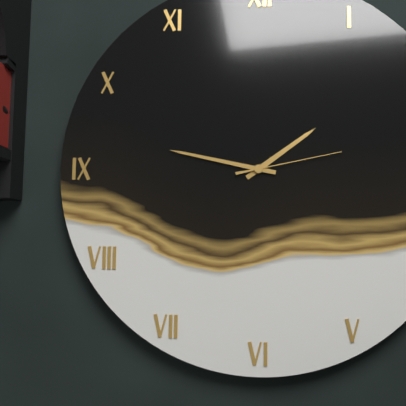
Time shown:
1,47,13
